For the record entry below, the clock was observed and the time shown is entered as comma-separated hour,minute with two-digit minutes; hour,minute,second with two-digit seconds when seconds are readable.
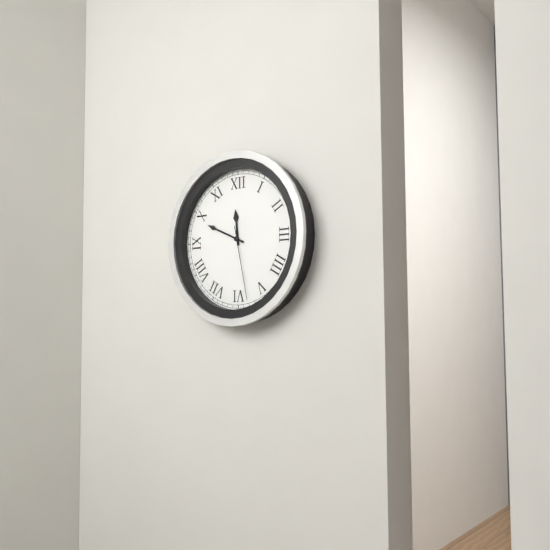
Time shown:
11,49,28
